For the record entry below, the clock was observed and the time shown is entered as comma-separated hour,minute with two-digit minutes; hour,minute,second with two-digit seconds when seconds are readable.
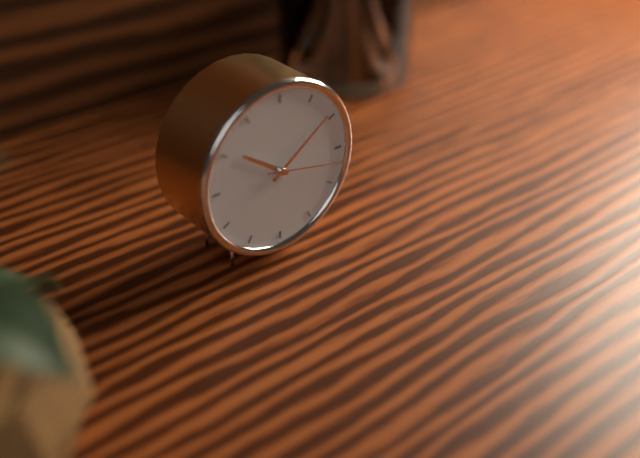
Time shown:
10,09,17
